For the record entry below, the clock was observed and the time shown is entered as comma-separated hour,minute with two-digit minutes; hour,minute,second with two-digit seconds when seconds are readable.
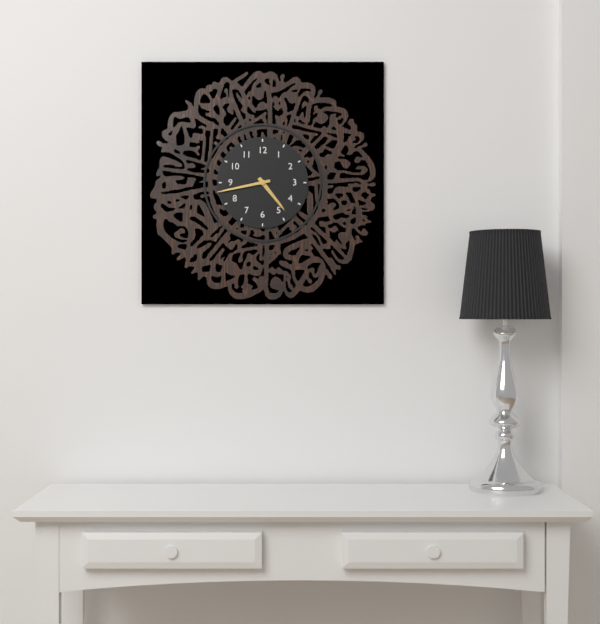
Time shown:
4,43
